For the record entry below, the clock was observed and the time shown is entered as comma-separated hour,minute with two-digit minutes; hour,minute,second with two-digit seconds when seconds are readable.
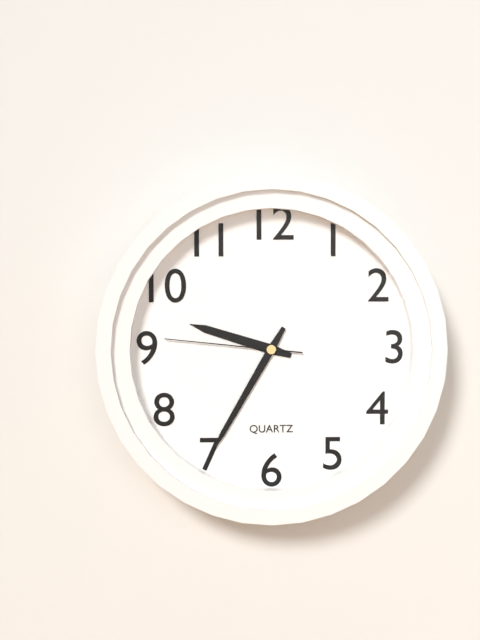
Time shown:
9,35,46
